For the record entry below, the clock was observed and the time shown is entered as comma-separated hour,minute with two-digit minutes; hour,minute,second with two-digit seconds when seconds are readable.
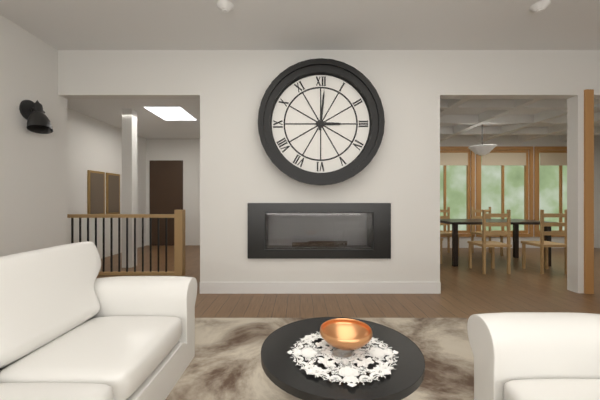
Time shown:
3,01
